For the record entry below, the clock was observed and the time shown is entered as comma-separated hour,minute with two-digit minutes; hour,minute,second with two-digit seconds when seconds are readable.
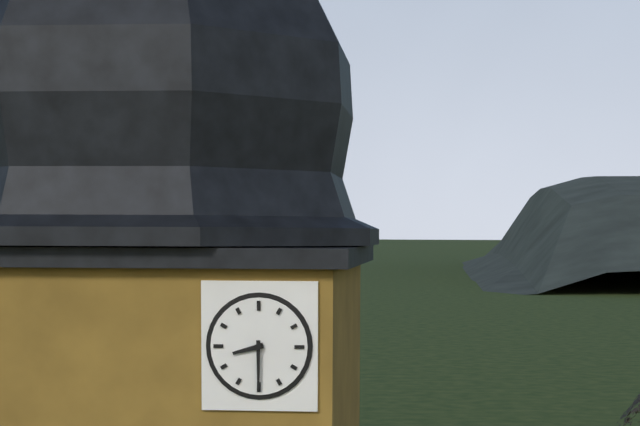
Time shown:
8,30
